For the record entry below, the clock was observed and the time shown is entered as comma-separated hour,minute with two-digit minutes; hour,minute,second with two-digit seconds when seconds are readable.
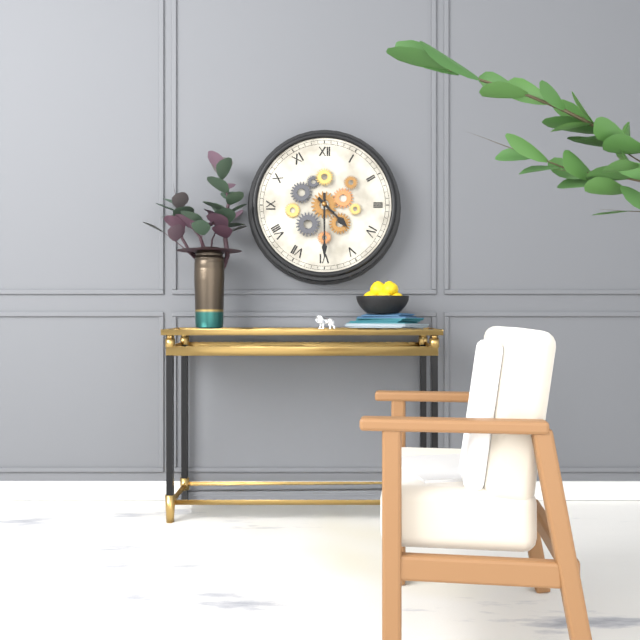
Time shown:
4,30
